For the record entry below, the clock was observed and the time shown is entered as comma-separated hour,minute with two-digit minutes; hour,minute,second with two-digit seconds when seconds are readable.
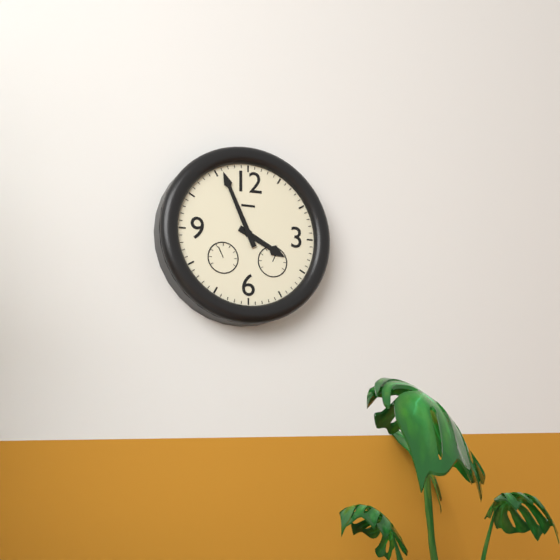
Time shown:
3,56
